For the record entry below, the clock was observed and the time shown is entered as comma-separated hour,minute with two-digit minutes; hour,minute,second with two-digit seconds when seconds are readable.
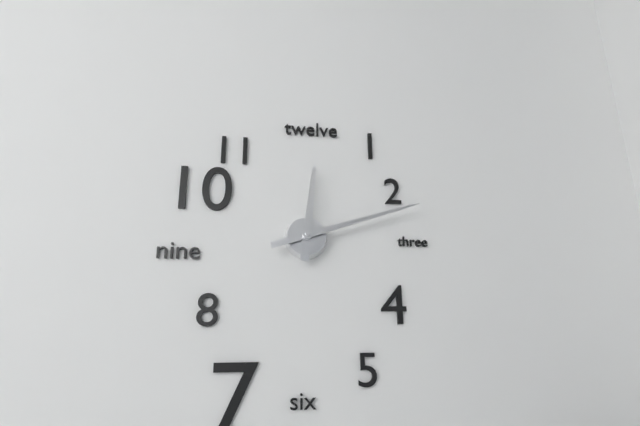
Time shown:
12,12
